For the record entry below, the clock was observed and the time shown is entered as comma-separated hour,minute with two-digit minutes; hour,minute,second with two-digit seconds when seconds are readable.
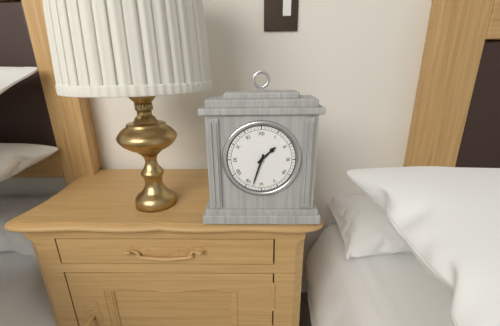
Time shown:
1,33
